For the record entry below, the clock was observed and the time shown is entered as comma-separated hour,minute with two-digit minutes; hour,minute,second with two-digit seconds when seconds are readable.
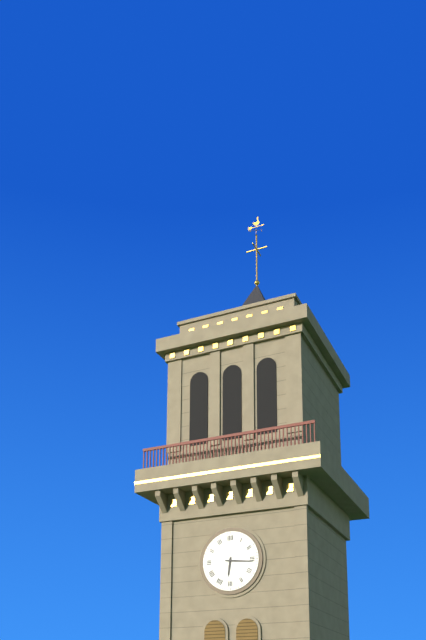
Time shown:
6,16
